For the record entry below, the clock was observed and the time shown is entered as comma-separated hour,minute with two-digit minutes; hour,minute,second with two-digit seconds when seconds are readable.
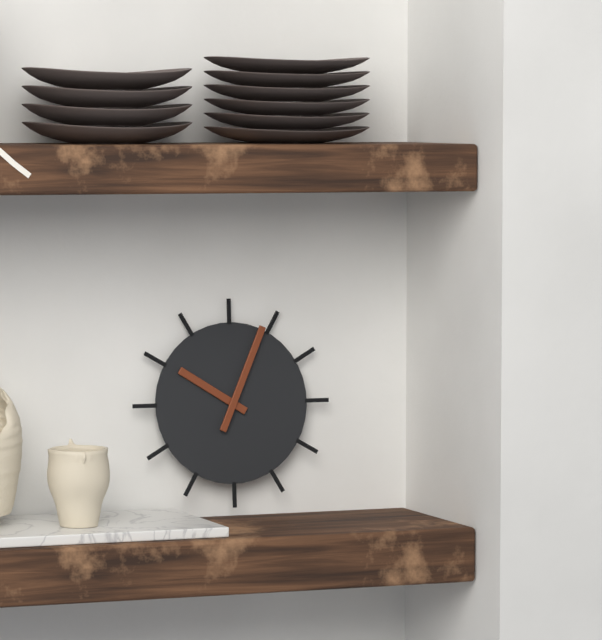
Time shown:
10,04
